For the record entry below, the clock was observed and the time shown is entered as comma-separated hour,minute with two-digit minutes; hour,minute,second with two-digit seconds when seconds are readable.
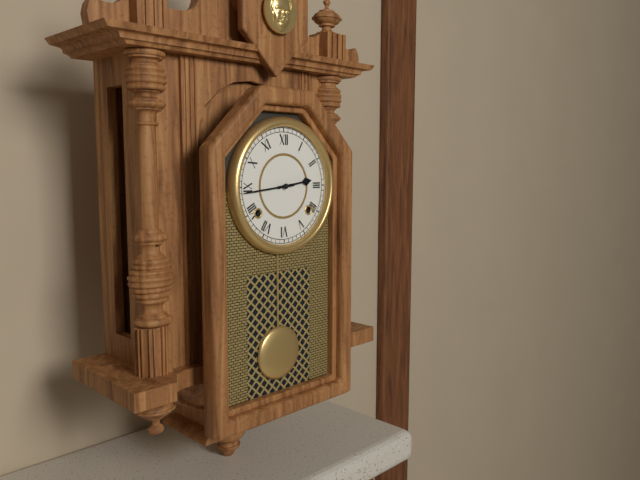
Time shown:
2,44
